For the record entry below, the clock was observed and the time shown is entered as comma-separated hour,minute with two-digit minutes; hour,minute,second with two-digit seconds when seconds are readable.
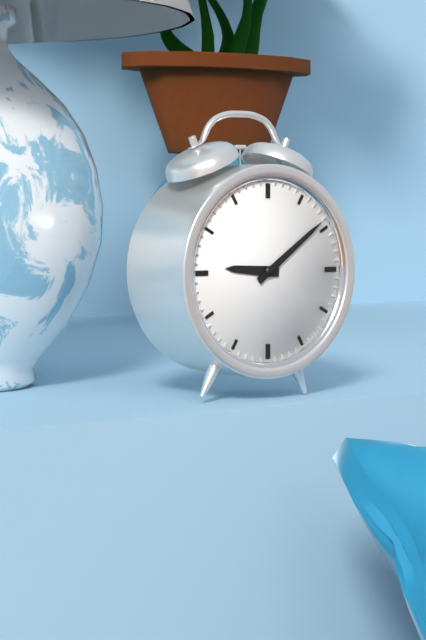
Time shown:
9,09
